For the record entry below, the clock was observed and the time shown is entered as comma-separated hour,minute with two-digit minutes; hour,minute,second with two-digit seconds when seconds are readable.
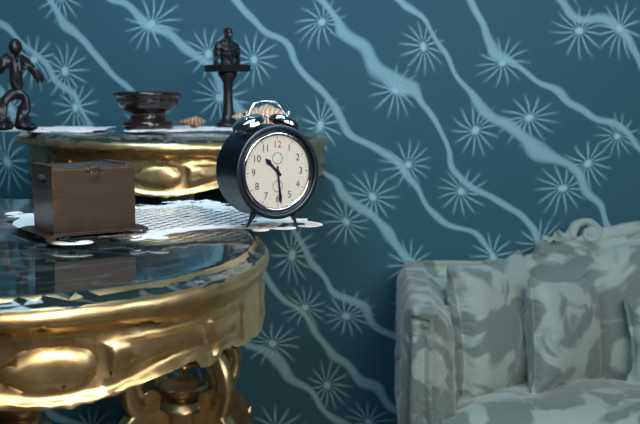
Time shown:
10,29
